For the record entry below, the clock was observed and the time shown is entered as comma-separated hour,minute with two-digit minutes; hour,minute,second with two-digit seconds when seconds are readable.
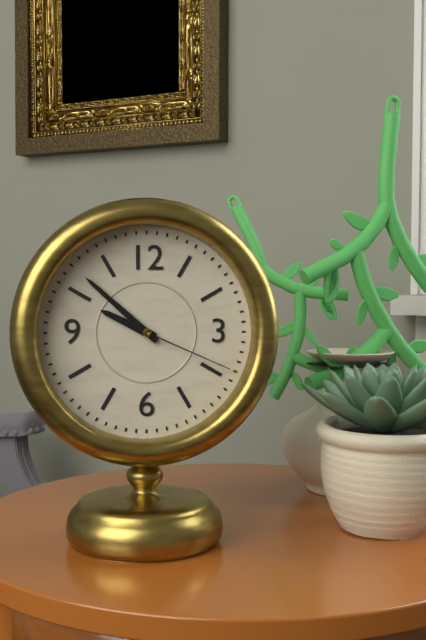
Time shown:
9,52,19
